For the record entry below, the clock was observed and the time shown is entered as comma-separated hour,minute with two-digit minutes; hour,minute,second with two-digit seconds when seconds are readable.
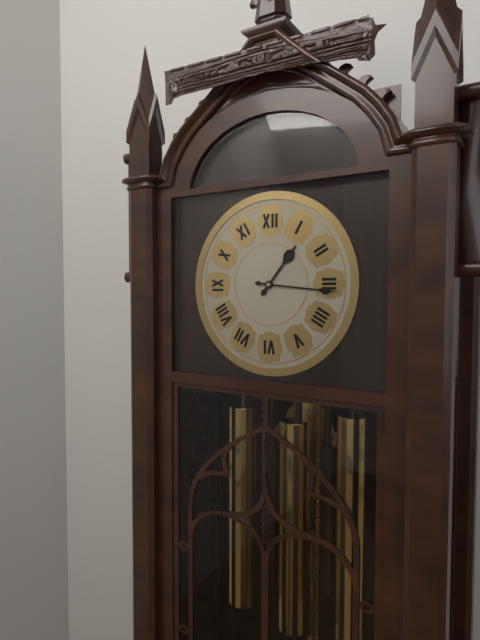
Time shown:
1,16
